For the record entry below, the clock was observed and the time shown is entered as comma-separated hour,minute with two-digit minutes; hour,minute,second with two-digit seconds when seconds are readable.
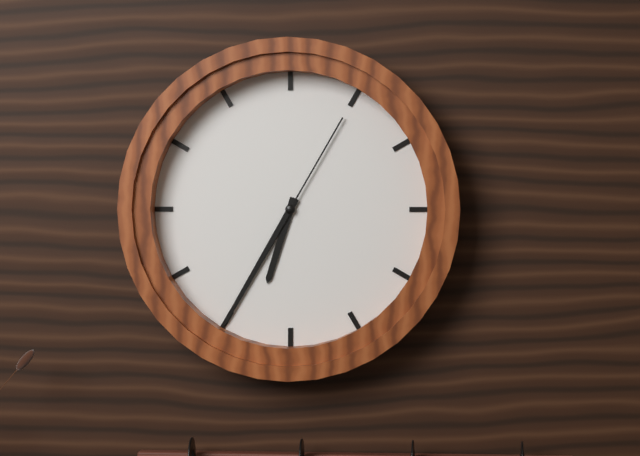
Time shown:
6,35,05
